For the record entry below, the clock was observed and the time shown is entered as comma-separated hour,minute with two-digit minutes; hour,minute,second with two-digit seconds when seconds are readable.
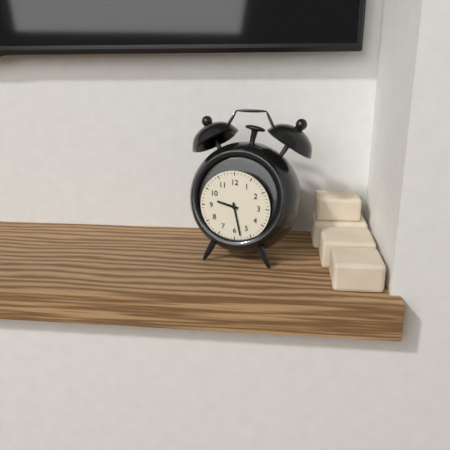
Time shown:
9,28
